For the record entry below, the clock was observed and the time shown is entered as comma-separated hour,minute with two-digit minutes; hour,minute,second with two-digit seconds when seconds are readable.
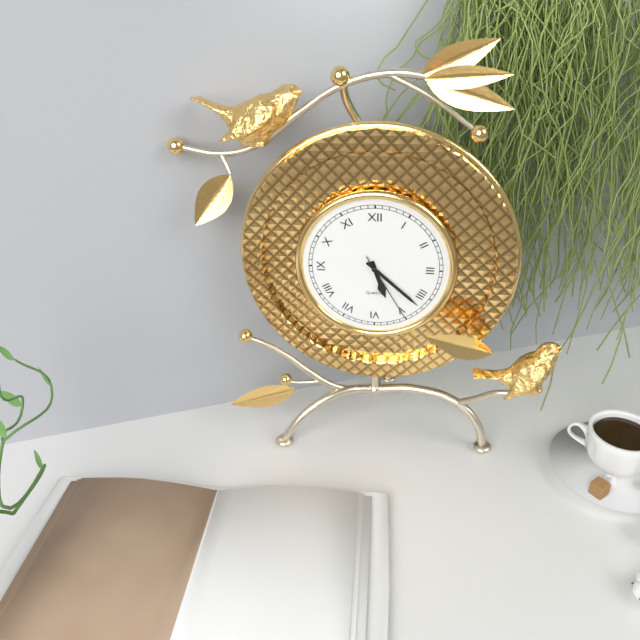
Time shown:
5,22,25
